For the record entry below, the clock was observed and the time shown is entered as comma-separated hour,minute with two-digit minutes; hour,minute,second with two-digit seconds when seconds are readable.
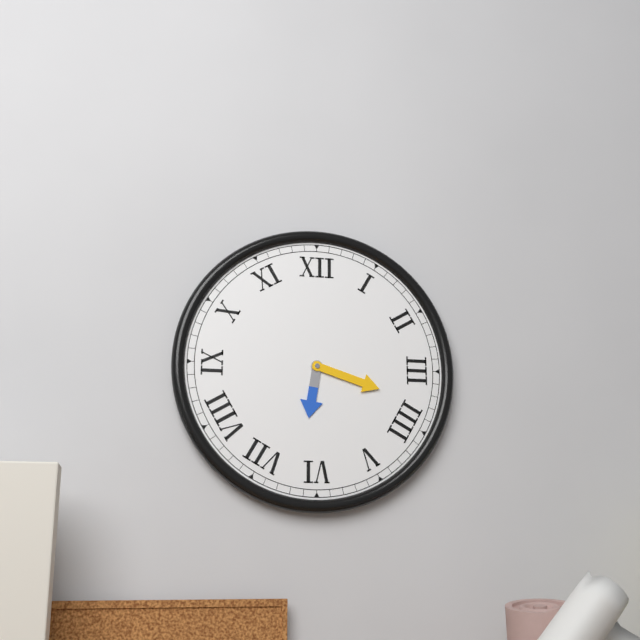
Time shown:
6,18
